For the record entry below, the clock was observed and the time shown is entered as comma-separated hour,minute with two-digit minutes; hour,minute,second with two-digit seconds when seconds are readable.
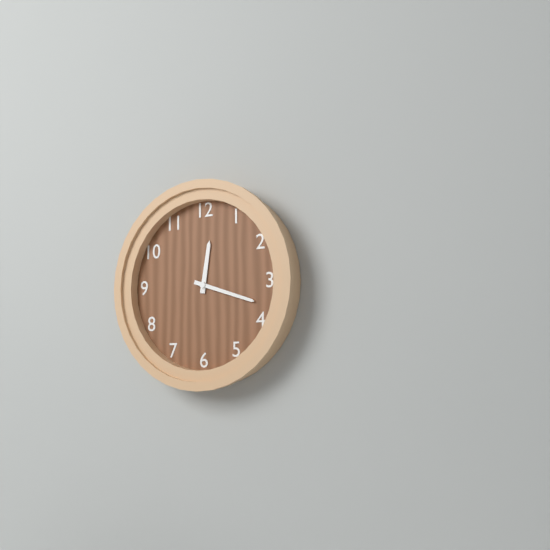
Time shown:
12,18
